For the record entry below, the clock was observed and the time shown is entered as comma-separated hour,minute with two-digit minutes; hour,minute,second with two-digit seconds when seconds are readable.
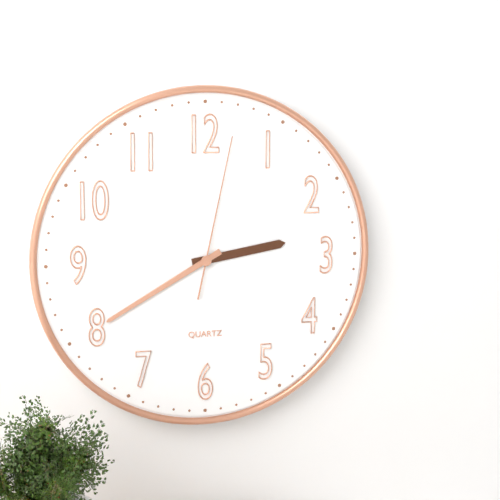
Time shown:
2,40,02
